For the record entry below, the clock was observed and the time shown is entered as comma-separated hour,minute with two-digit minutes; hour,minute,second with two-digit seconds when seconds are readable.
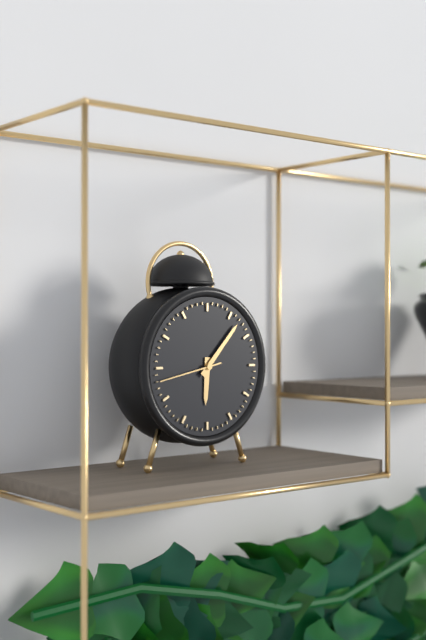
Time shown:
6,07,43
